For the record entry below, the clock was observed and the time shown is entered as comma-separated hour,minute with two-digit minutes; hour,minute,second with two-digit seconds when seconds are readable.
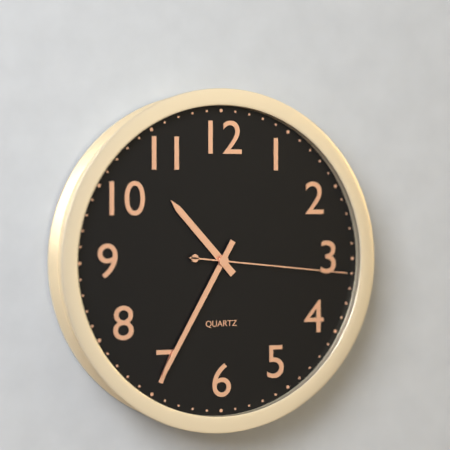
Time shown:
10,35,16
